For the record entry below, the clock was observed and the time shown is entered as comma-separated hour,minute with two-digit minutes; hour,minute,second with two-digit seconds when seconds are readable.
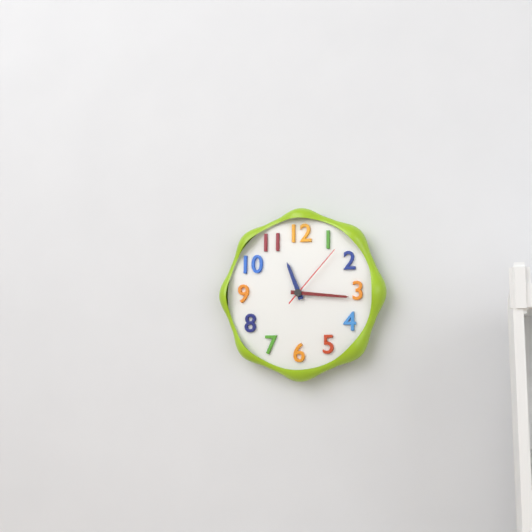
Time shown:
11,16,07
